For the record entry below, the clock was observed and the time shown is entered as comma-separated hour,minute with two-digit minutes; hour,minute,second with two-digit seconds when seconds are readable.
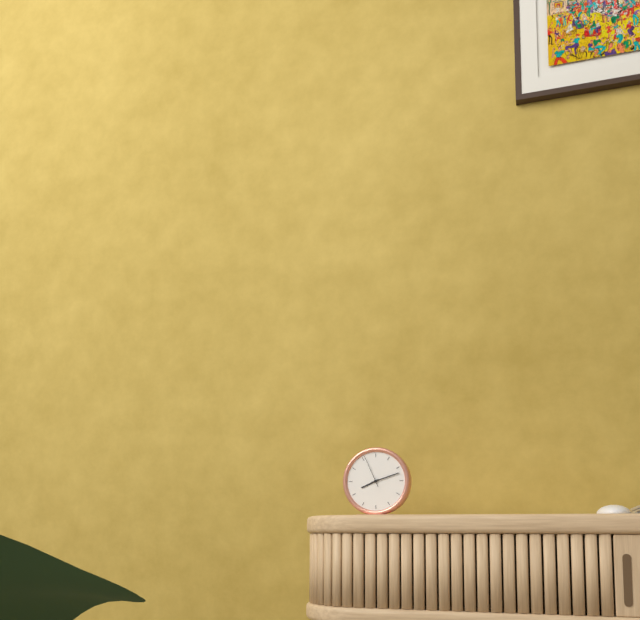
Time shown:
8,12
